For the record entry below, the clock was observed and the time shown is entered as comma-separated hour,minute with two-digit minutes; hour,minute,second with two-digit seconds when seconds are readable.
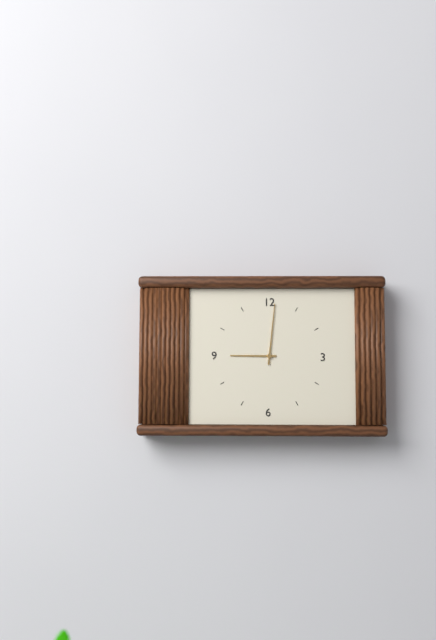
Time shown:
9,01
